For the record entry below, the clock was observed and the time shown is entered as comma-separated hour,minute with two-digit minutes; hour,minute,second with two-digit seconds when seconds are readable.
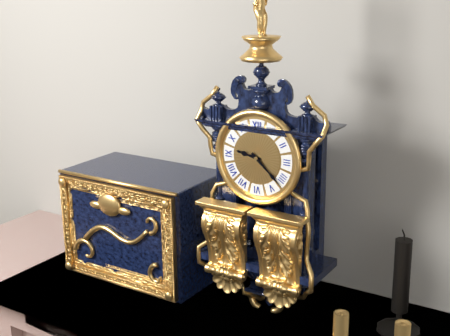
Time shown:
9,22
